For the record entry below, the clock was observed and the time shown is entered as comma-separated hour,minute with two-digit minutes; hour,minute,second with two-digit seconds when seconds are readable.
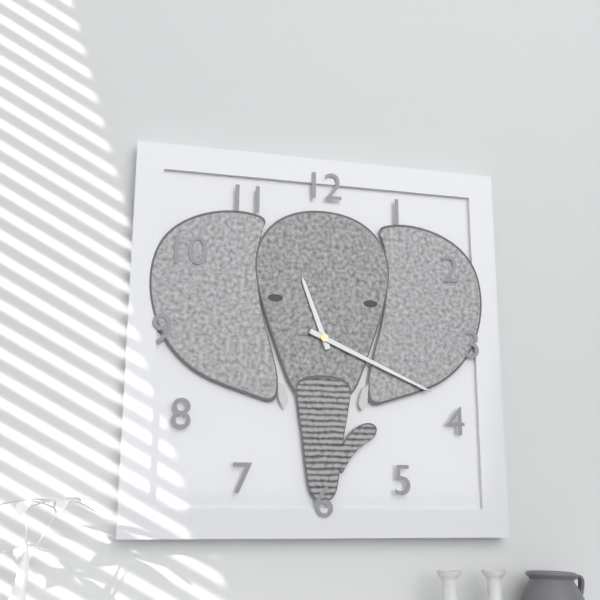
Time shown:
11,19
